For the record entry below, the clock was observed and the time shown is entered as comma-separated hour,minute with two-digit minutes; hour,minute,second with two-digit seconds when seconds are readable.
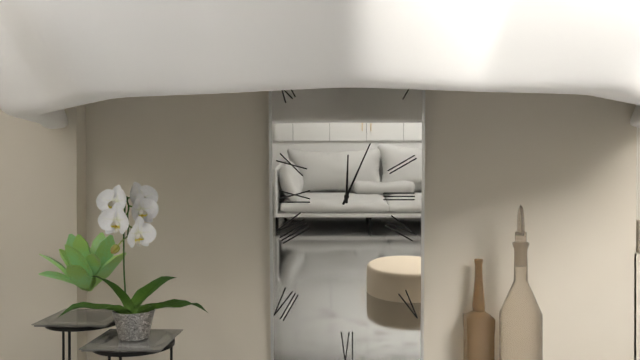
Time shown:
12,04
